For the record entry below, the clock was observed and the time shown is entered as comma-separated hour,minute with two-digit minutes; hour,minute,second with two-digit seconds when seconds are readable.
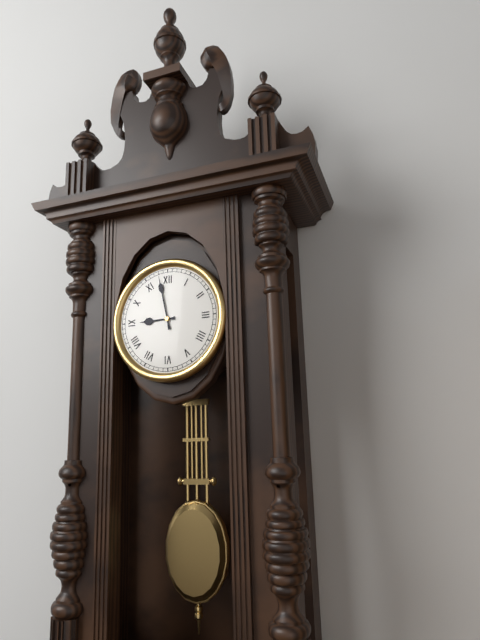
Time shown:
8,58
